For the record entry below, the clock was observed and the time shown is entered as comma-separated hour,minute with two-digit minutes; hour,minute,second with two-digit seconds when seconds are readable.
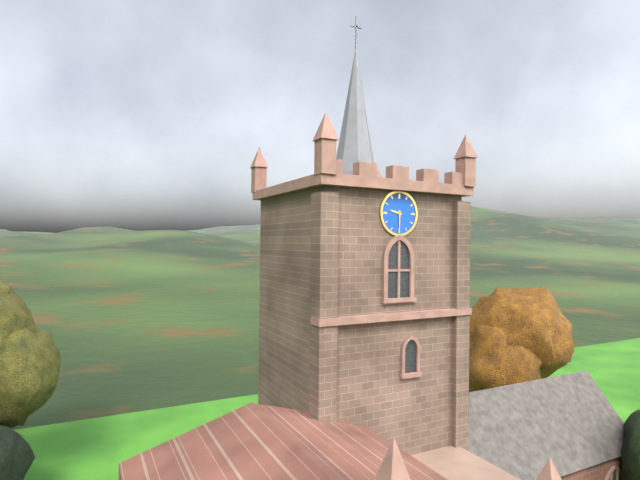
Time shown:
9,30
